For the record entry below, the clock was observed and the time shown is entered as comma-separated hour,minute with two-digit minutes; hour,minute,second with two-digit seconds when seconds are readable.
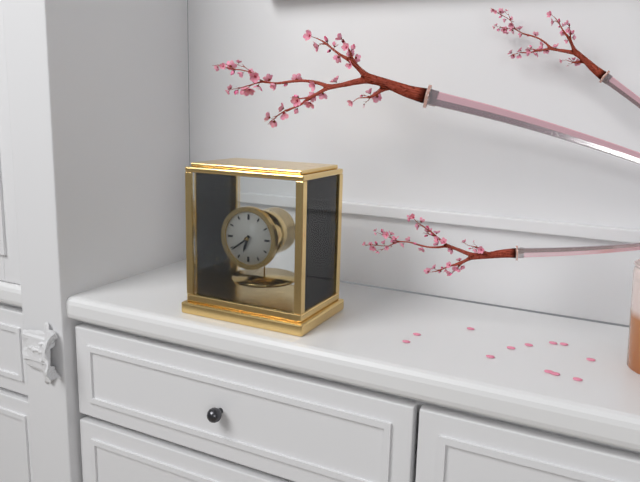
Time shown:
6,39
